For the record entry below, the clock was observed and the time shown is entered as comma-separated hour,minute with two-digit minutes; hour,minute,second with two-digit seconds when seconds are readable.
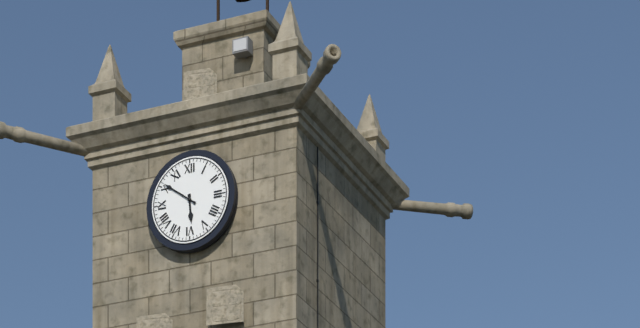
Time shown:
5,51
